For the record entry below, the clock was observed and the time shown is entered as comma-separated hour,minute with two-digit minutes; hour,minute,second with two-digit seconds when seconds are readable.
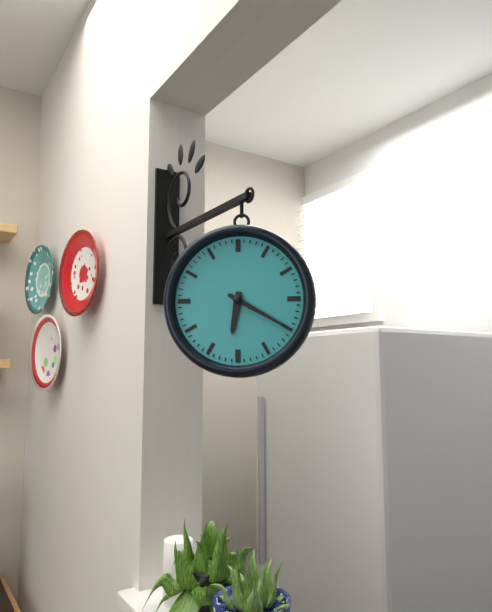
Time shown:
6,20
